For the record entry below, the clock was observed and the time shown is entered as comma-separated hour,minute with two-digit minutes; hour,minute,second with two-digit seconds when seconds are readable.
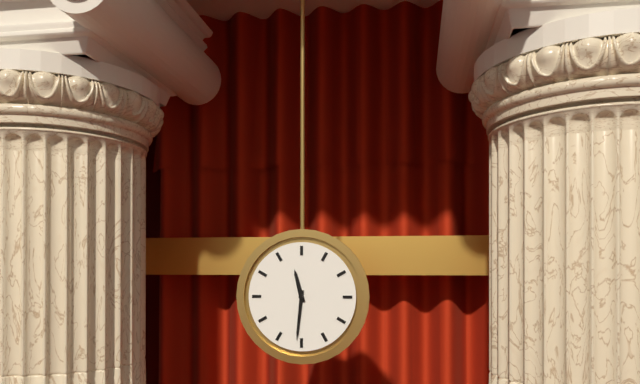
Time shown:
11,31
